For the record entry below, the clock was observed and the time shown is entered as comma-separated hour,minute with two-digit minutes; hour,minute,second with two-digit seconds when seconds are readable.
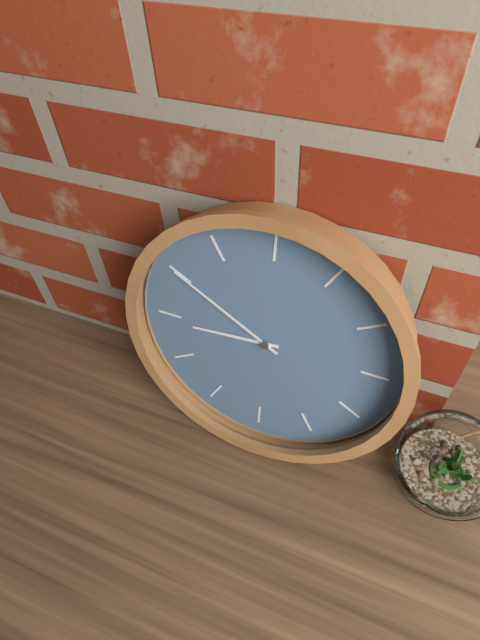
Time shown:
8,50
